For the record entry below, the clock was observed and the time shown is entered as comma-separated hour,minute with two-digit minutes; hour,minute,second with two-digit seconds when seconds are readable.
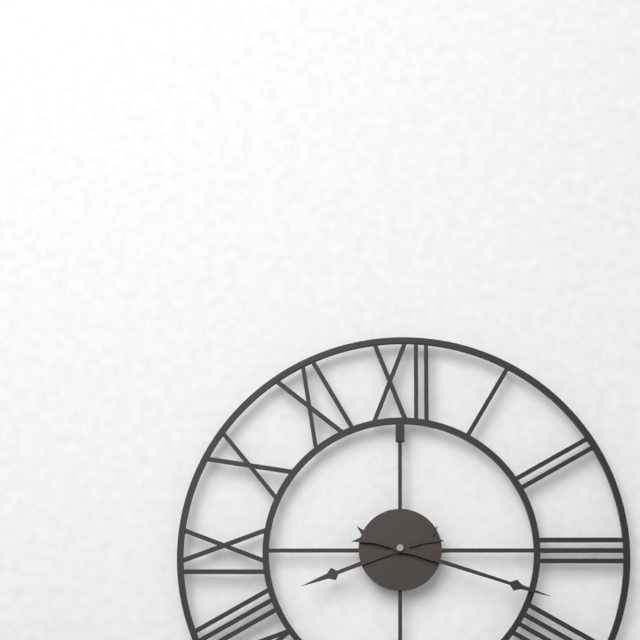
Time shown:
8,18
